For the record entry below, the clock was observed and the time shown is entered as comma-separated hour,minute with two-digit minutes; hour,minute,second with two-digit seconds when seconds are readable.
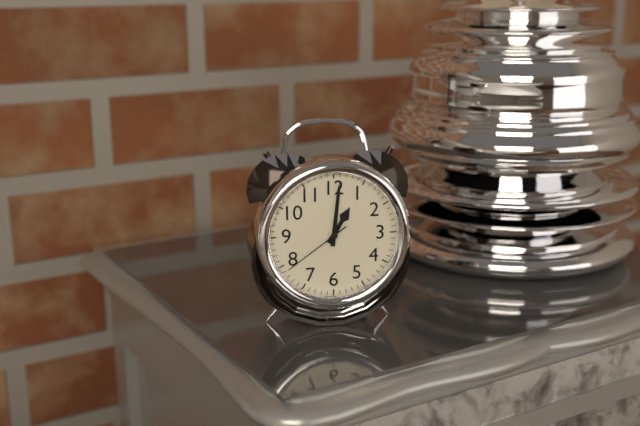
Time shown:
1,01,39
